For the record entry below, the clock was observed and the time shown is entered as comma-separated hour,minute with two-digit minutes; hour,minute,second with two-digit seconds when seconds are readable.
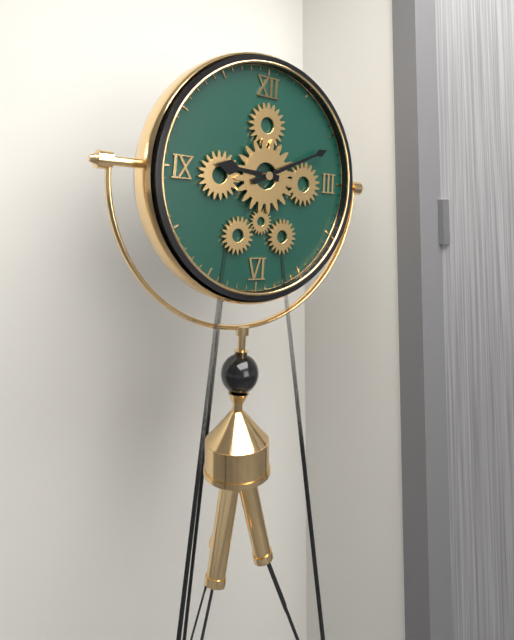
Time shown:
9,11
